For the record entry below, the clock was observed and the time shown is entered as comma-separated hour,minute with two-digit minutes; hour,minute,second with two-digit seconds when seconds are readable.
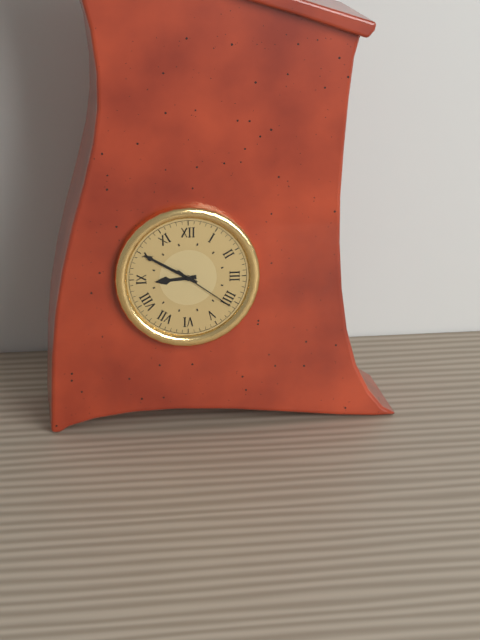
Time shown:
8,50,21
